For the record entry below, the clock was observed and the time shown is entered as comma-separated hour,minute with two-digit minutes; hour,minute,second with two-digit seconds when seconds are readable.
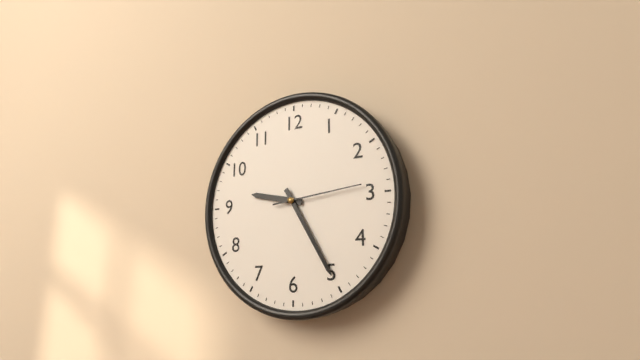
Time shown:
9,25,14
